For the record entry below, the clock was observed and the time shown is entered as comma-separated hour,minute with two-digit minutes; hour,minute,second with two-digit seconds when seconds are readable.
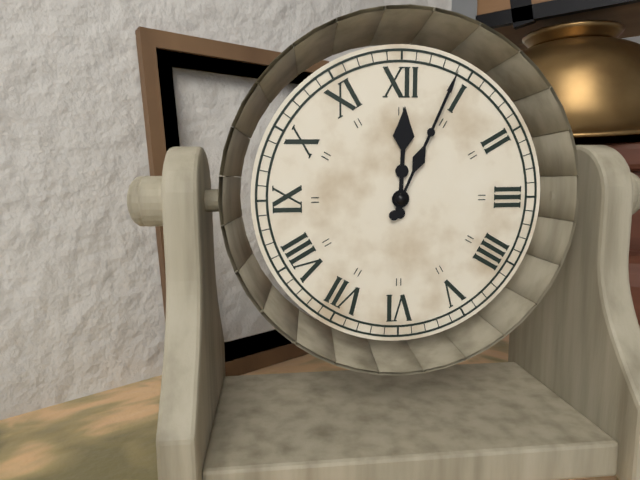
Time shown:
12,04
